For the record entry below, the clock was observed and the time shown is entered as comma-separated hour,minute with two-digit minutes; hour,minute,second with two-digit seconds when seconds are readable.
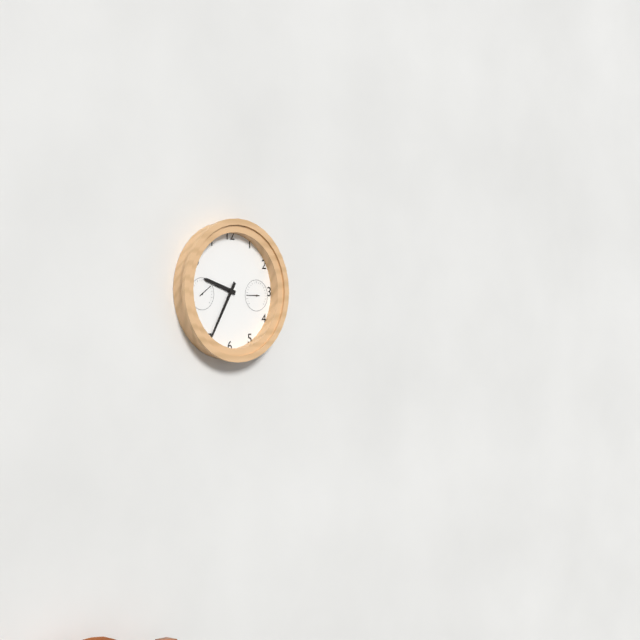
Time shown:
9,35
